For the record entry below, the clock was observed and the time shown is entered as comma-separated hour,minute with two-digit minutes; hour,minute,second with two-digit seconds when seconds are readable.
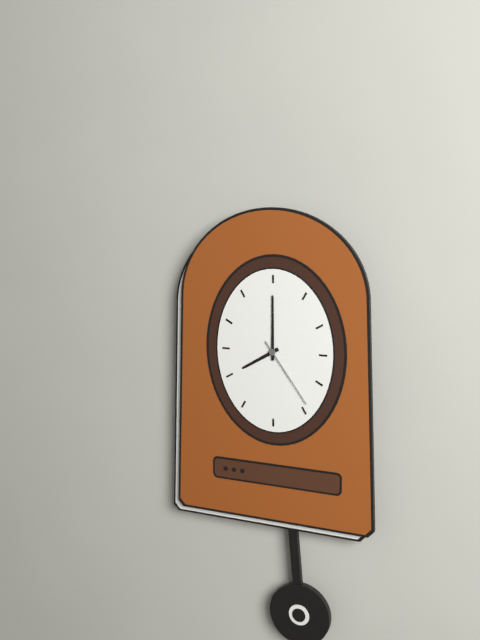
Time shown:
8,00,24
